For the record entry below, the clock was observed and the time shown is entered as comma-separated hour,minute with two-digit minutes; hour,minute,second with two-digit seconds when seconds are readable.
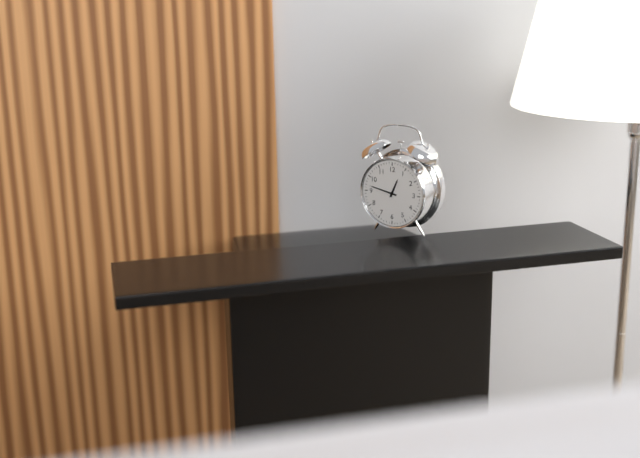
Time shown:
12,47
